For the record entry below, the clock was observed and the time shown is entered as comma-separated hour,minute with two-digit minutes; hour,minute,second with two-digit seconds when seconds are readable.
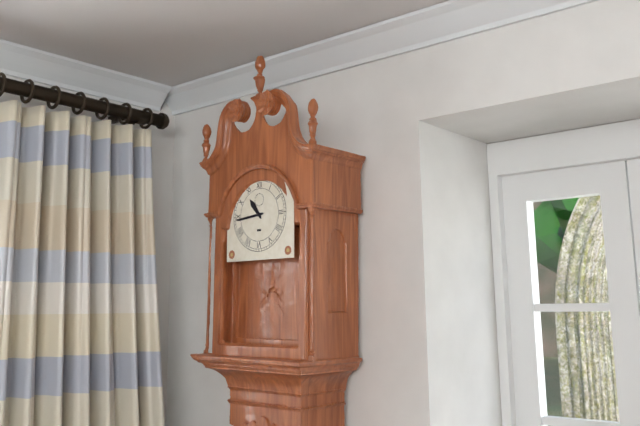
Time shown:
10,44
